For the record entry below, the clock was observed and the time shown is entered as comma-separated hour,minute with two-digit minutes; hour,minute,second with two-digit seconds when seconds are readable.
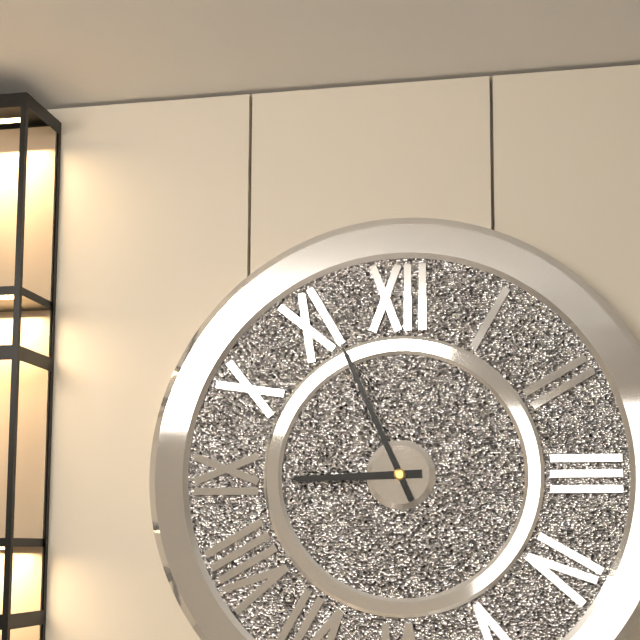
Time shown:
8,56
